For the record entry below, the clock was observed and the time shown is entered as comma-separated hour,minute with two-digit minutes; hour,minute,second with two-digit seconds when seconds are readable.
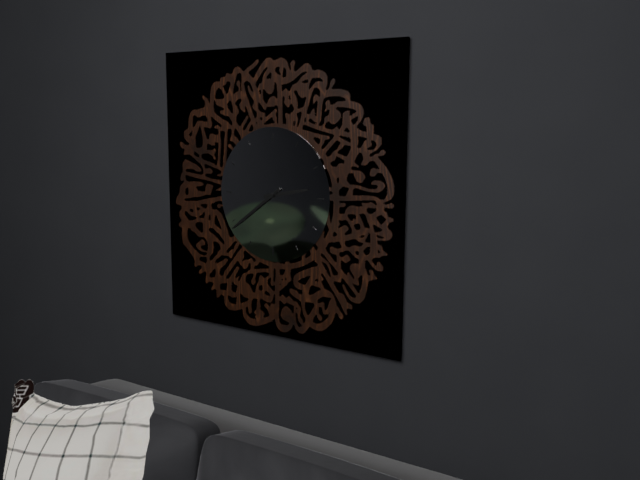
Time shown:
2,39
